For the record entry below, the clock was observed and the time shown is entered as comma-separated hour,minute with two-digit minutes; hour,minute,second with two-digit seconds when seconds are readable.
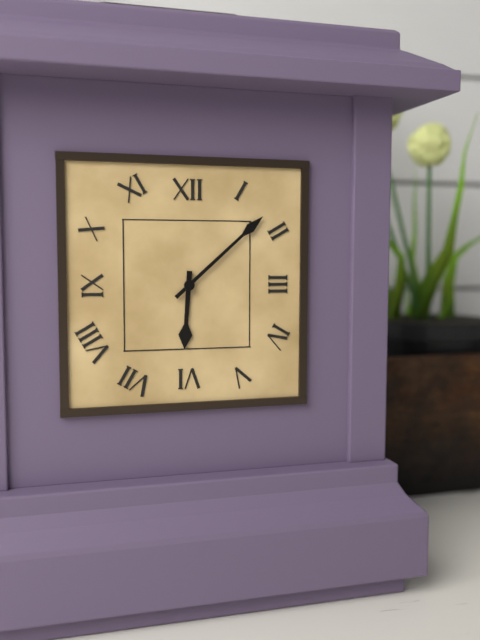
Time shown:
6,08
